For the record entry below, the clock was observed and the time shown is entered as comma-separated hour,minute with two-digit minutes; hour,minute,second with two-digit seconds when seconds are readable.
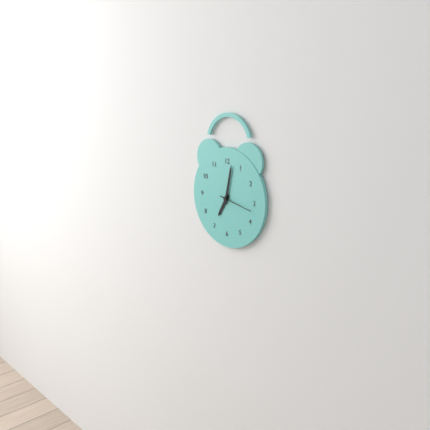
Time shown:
7,02
